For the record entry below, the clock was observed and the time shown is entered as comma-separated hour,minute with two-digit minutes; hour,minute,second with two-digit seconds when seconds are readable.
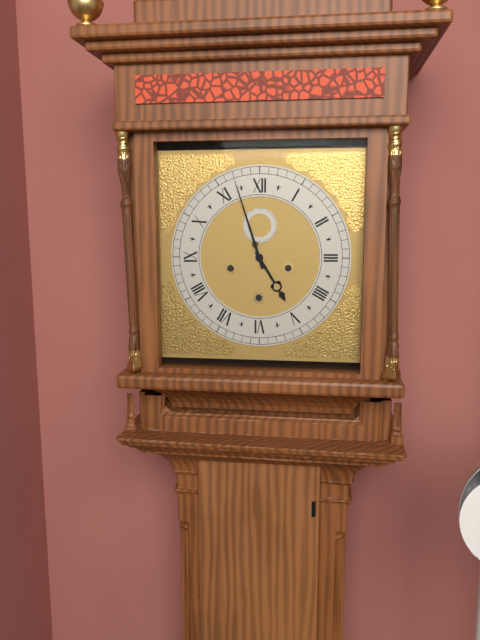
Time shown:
4,57
